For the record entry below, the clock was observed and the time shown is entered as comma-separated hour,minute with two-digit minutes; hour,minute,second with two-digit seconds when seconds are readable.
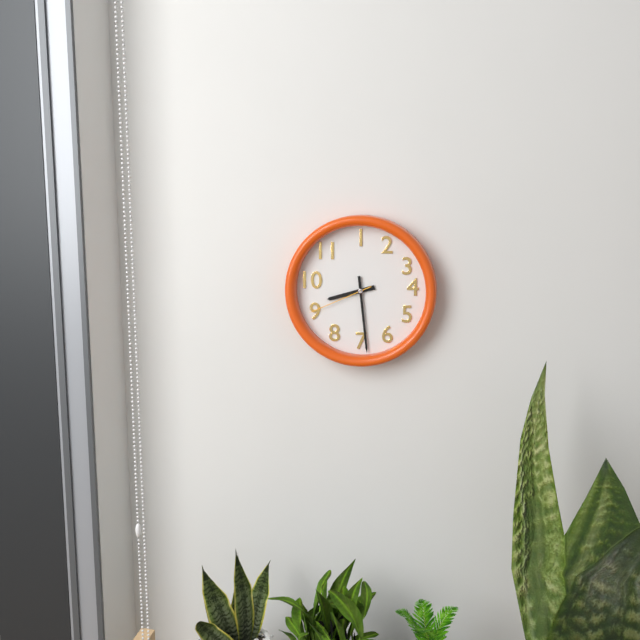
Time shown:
8,29,41
